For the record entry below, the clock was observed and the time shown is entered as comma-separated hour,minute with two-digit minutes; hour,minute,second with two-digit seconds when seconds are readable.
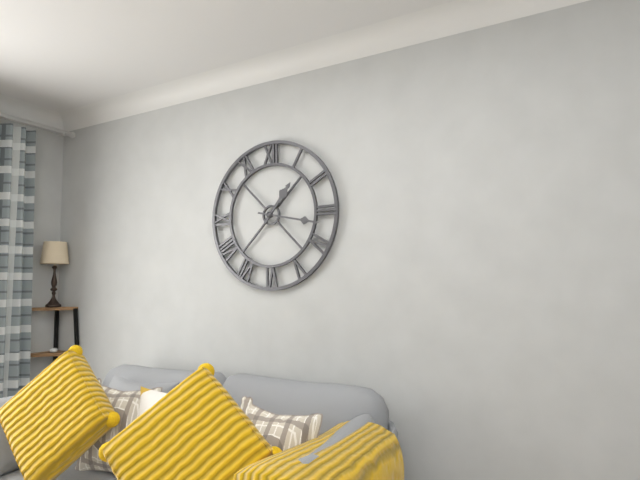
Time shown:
1,17
